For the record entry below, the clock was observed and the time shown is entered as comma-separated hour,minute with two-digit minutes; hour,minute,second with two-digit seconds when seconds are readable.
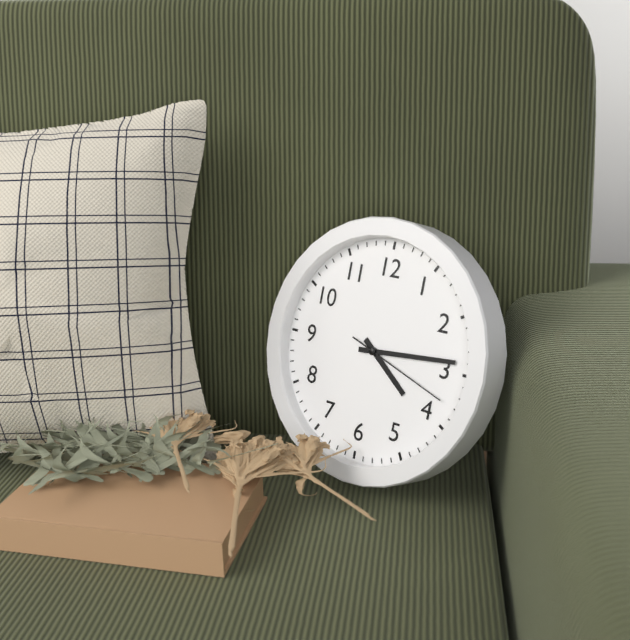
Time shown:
4,14,18
